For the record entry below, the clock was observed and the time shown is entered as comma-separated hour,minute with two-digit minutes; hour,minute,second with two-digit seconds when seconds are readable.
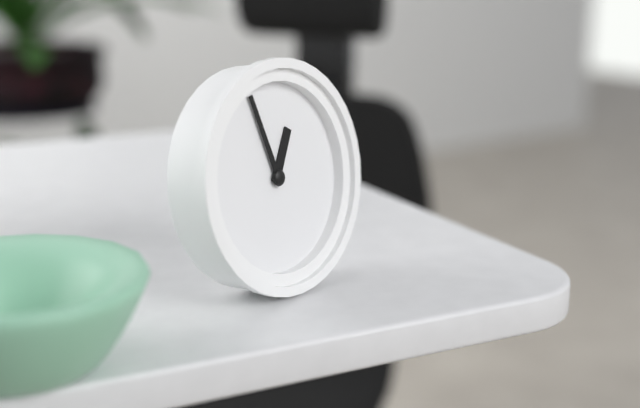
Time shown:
12,57
